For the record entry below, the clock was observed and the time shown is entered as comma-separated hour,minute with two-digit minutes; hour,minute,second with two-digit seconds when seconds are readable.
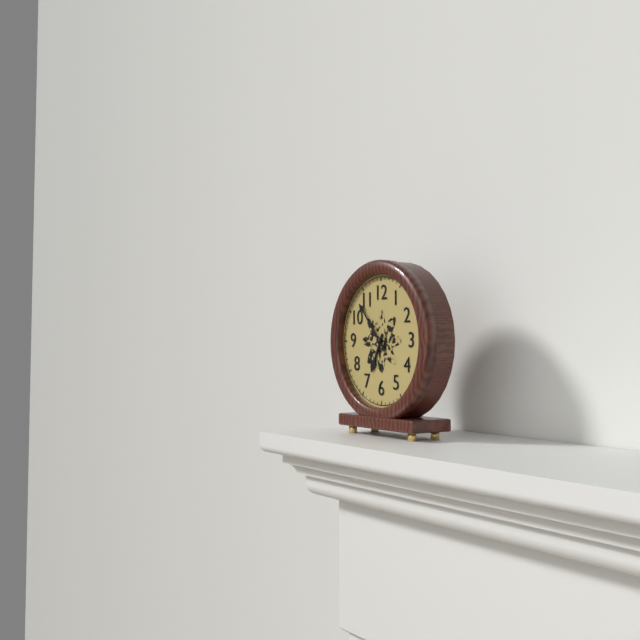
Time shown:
6,53
